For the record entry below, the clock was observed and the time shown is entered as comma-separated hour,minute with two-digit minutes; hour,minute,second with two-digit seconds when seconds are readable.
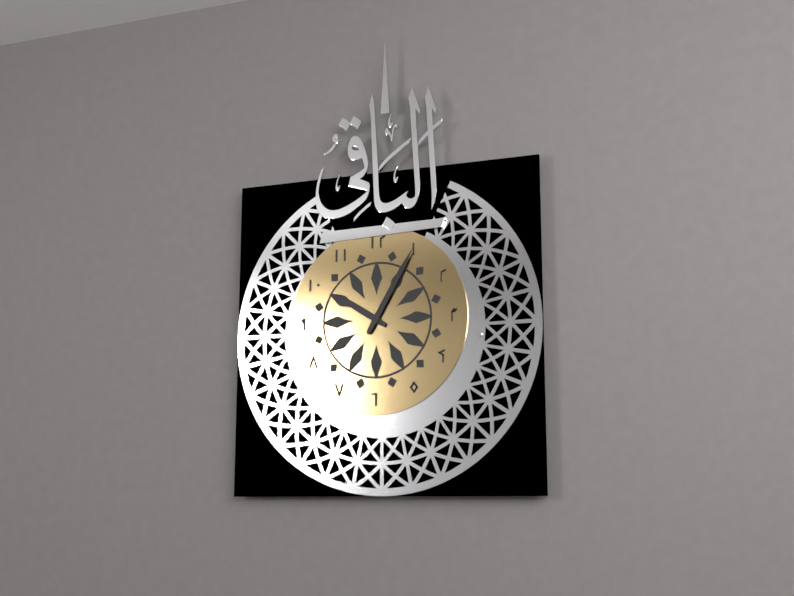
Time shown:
10,05
